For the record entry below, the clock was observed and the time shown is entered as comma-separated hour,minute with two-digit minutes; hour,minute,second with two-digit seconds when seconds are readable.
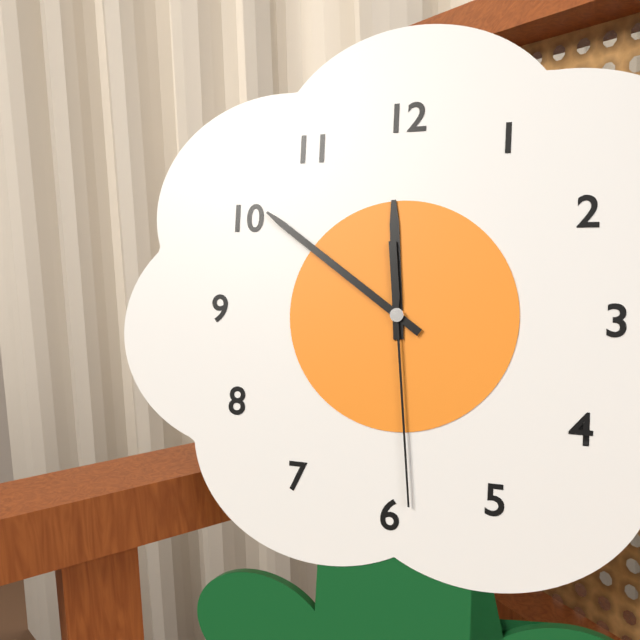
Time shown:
11,51,29
